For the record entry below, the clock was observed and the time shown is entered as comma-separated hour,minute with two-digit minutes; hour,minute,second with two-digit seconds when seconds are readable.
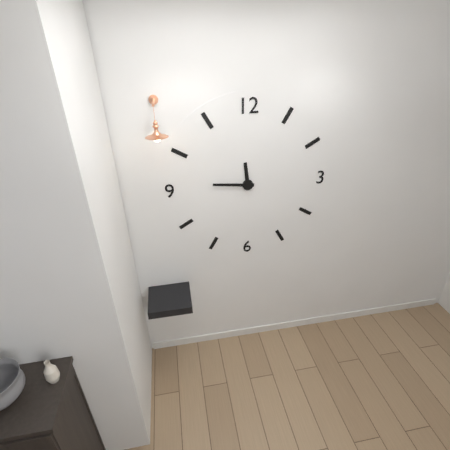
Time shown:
11,46
